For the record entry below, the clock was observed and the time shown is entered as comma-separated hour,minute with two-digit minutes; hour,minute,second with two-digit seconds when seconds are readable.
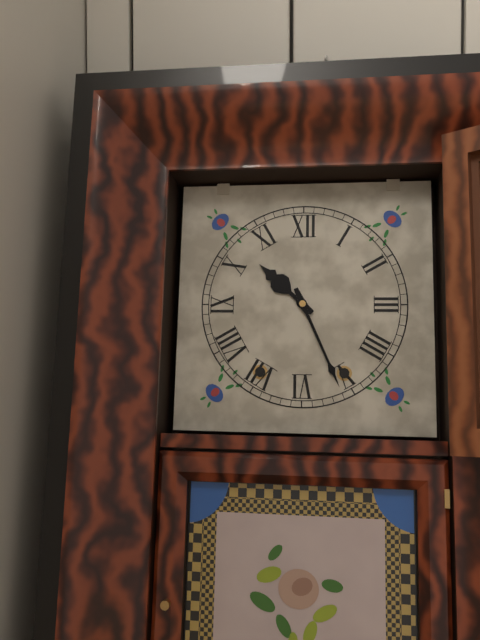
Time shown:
10,26
